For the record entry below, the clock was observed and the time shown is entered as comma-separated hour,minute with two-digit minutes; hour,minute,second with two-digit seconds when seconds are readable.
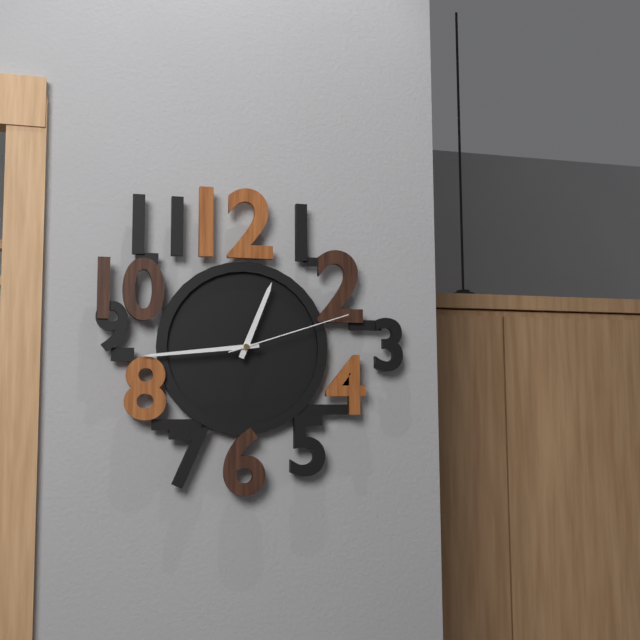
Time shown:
12,44,12
